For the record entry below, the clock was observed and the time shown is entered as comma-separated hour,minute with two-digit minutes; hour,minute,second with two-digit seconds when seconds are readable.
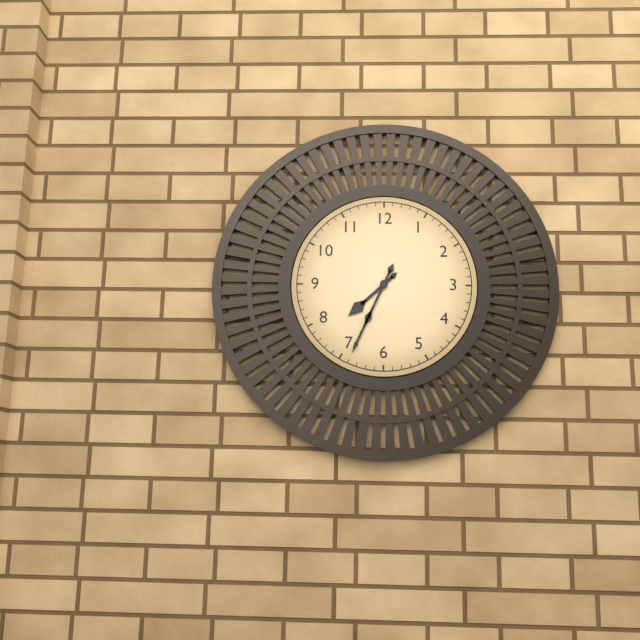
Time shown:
7,34
